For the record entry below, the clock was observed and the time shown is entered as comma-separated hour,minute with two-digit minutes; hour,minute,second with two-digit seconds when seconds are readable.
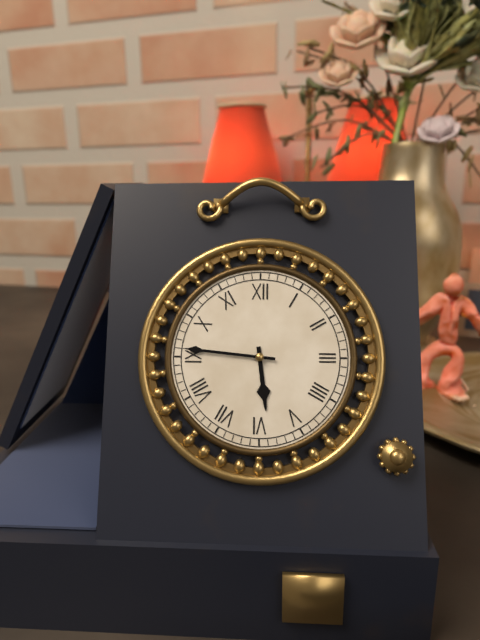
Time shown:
5,46
